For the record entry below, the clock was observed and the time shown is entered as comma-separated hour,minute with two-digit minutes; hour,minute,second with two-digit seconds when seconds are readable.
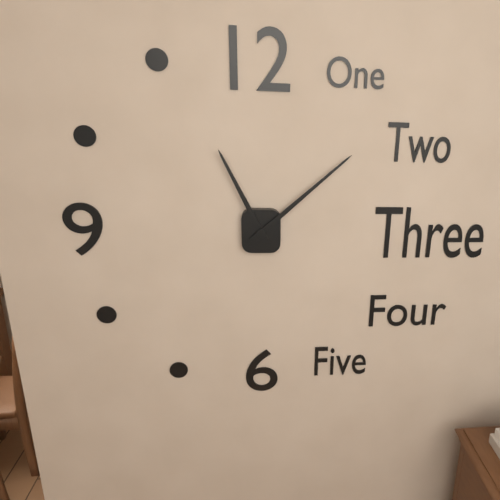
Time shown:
11,08
